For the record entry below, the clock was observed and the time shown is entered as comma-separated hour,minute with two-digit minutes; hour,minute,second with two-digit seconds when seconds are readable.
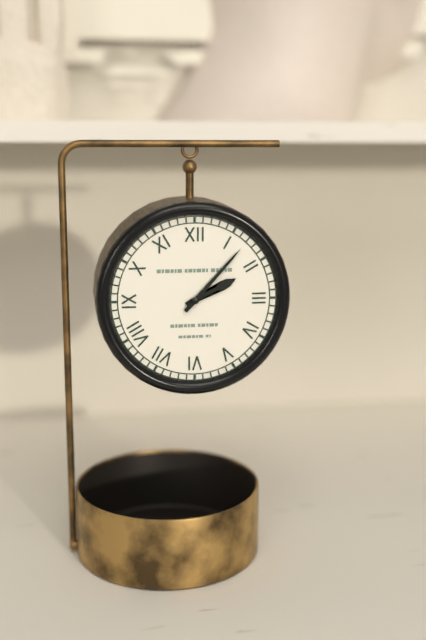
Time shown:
2,07
